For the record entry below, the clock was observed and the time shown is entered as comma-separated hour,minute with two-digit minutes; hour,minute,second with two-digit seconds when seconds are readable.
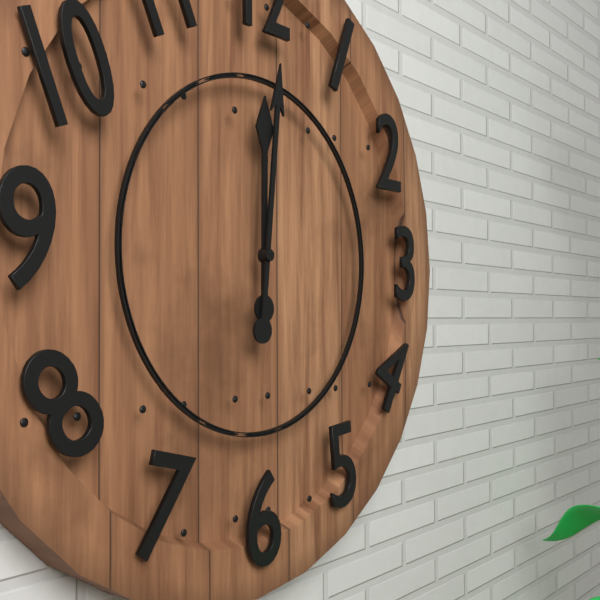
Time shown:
12,01
